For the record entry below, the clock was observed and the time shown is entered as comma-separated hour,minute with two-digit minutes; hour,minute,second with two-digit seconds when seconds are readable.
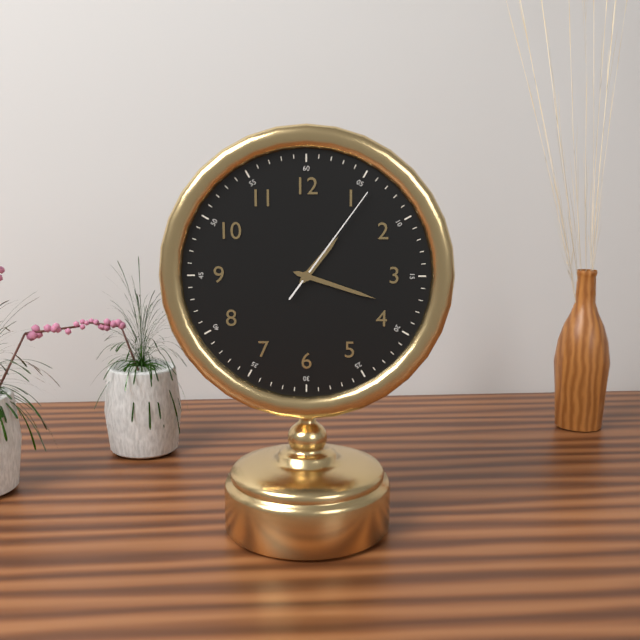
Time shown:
1,18,06
